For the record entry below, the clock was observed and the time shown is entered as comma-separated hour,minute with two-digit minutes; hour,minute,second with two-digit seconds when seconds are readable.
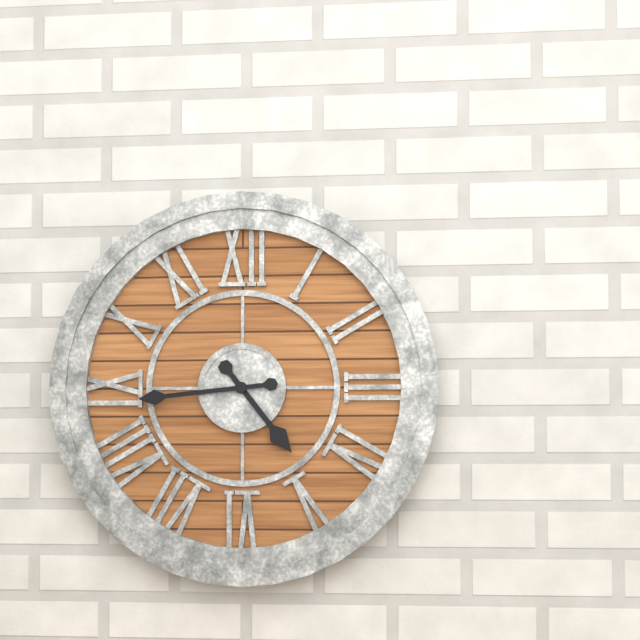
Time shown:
4,44
